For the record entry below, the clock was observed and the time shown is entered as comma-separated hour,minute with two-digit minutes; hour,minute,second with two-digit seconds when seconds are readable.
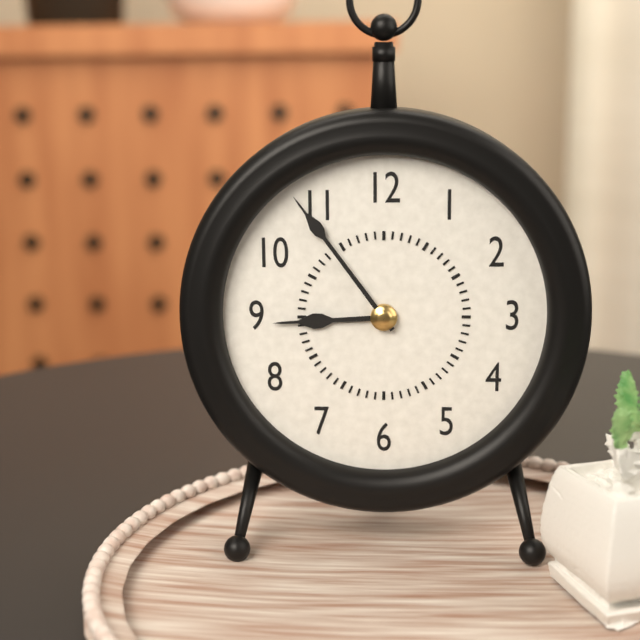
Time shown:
8,54
